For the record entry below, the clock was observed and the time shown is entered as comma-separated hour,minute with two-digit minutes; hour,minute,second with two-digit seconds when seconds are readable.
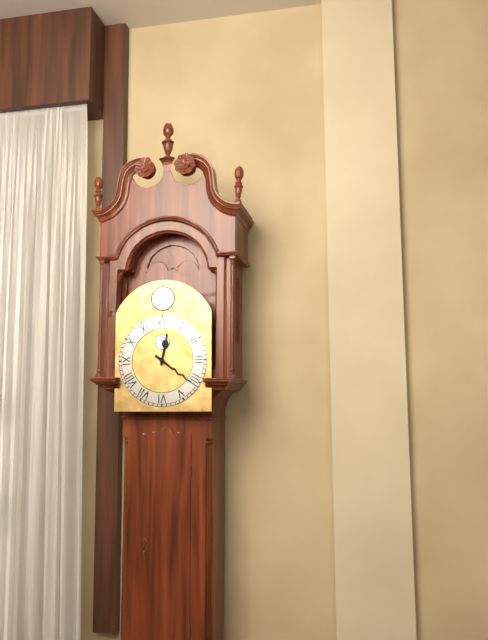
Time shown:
12,21
